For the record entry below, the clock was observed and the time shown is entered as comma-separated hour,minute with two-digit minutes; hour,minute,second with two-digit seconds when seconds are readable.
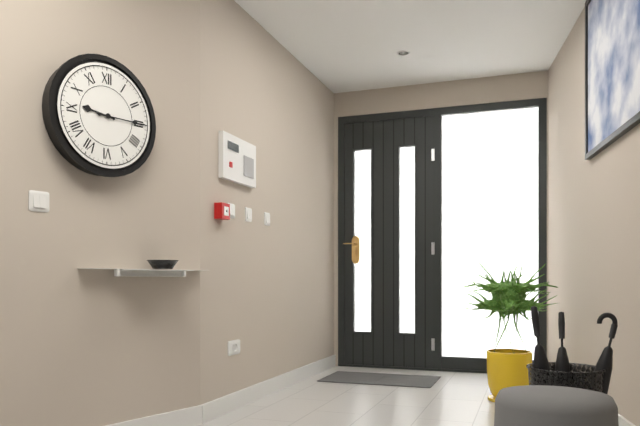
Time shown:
9,15
